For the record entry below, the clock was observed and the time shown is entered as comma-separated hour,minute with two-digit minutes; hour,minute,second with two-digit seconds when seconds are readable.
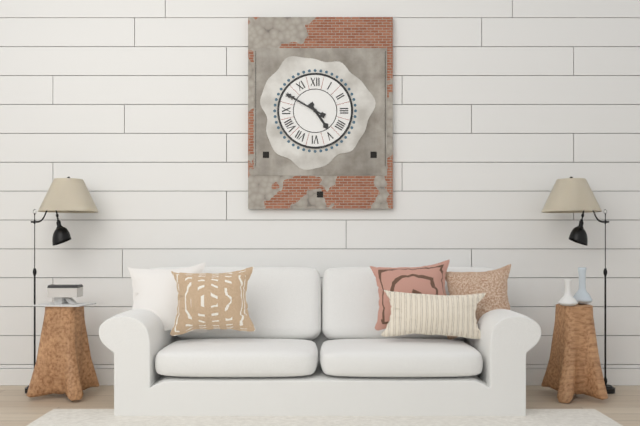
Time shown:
4,50
